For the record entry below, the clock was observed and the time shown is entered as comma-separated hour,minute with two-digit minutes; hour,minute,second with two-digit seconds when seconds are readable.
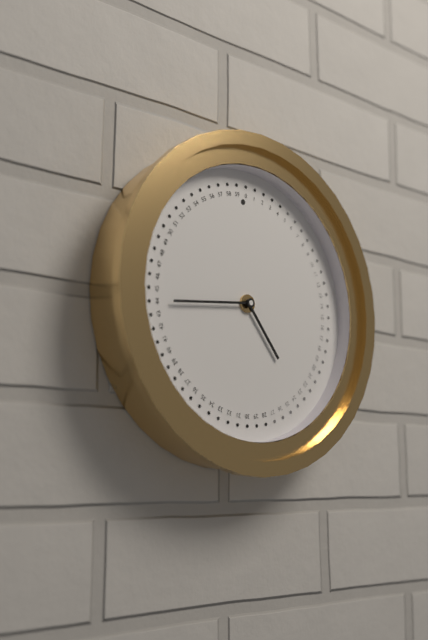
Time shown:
4,44
